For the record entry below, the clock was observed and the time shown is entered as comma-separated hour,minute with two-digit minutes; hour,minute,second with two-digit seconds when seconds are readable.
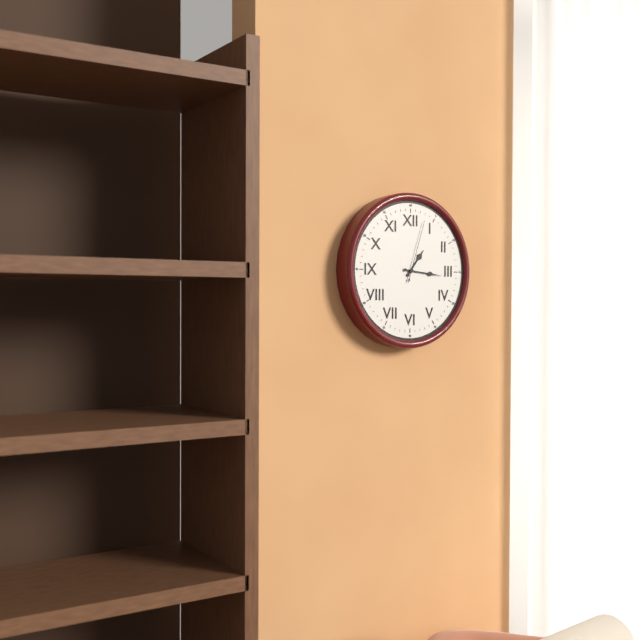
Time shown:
1,16,03
